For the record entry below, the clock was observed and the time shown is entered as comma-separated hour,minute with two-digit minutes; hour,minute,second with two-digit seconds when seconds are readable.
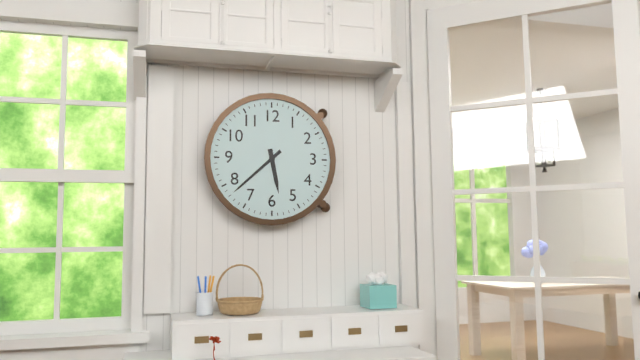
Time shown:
5,38
